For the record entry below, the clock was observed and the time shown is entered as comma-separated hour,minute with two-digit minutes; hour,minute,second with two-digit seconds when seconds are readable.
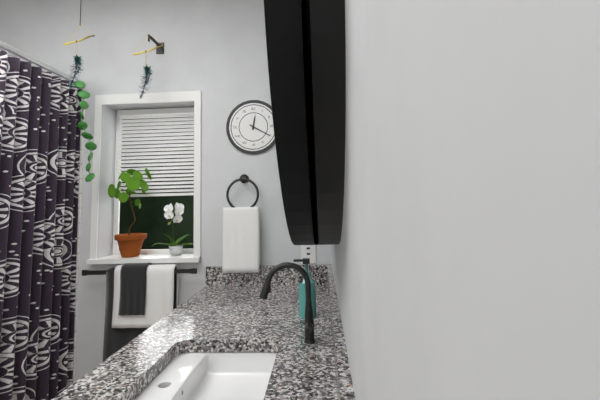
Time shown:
12,20
